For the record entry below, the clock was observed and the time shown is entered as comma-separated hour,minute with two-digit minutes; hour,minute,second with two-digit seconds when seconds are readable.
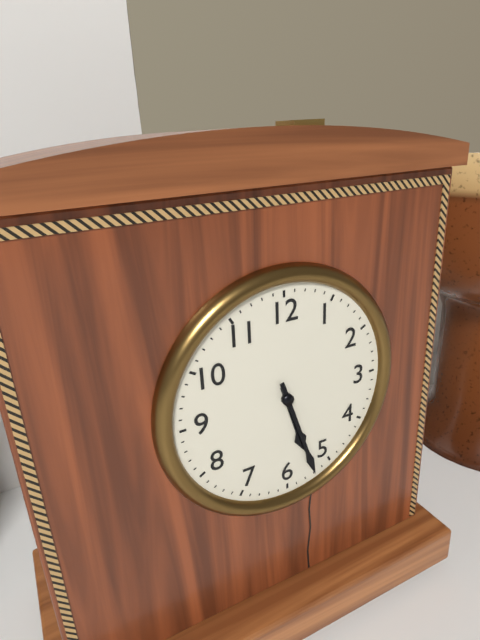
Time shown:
5,27
